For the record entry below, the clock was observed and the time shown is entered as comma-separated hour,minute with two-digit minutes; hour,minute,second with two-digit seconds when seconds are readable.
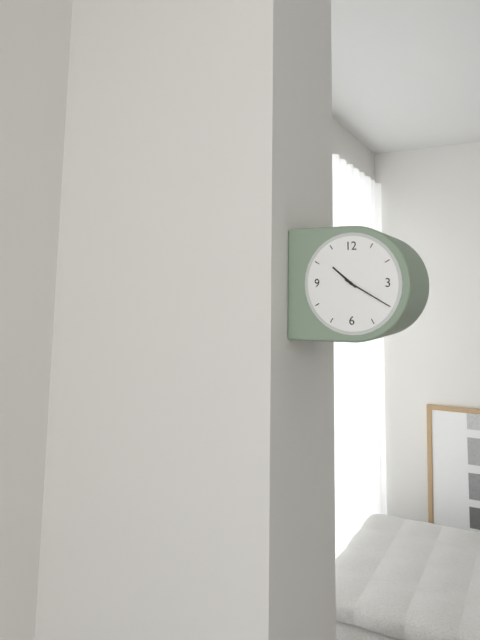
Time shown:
10,20
